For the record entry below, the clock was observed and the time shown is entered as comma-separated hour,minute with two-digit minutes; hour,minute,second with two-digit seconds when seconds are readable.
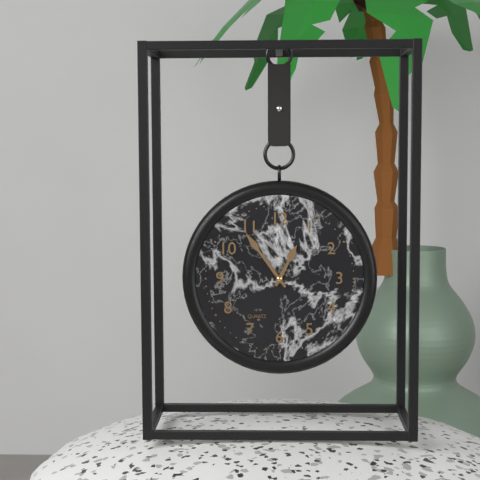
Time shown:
12,54
